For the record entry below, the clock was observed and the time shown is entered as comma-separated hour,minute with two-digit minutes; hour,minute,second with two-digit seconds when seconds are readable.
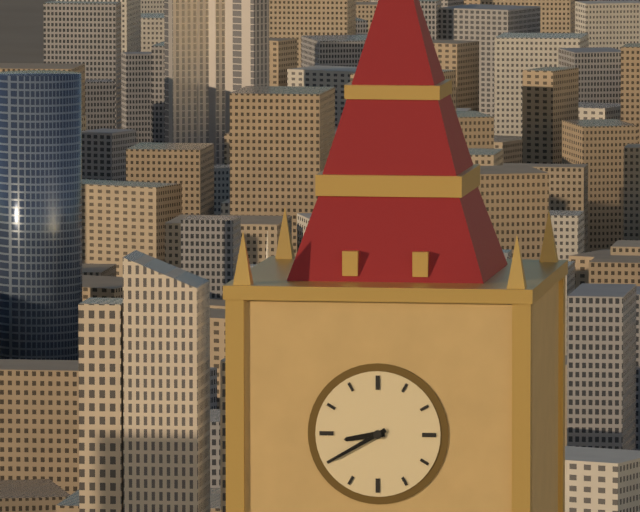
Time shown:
8,40
